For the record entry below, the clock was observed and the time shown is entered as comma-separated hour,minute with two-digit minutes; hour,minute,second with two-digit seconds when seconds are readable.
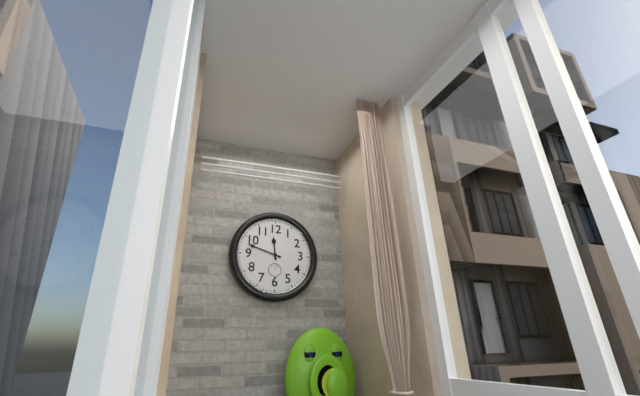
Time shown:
11,48
